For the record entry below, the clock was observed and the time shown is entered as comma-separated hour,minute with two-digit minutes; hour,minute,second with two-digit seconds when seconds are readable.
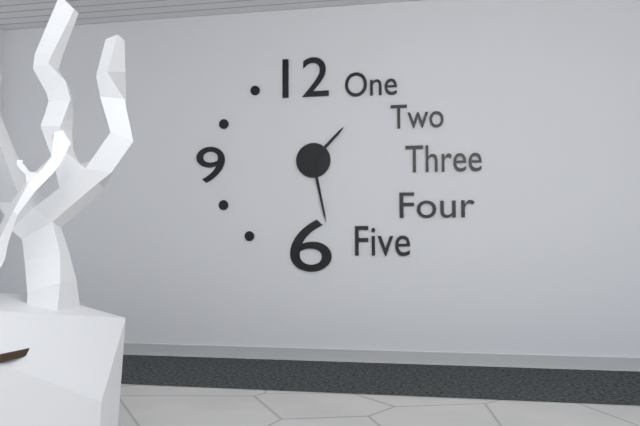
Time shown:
1,28
